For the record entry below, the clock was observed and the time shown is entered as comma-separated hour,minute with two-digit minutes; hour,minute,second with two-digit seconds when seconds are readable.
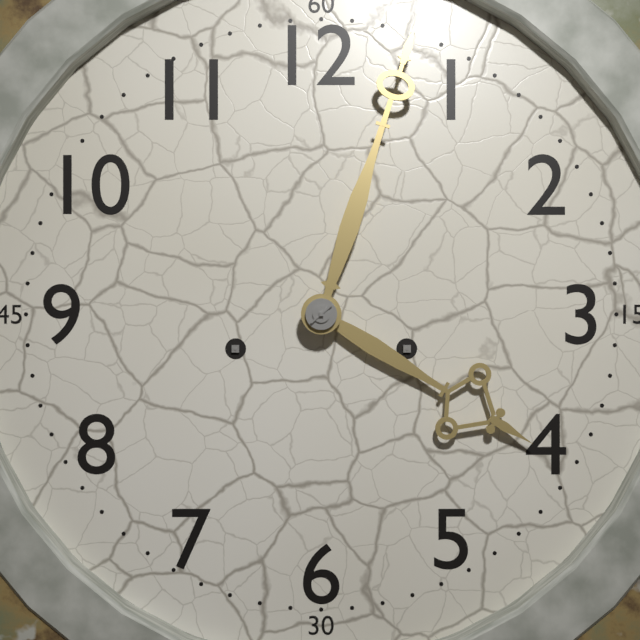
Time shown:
4,03
